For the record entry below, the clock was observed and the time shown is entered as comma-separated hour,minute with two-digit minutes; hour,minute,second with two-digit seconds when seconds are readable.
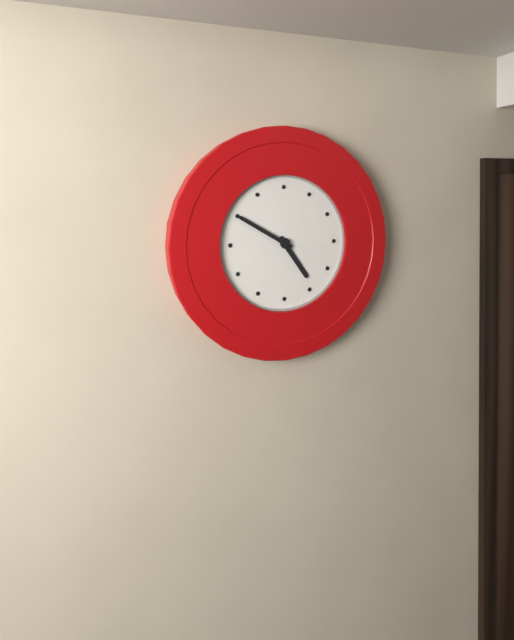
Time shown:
4,50
